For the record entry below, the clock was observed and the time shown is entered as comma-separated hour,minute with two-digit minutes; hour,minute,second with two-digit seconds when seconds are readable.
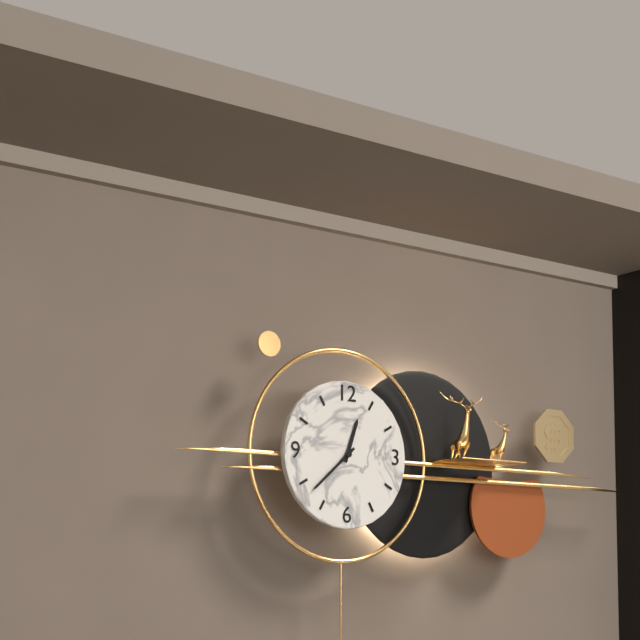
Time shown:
12,38
